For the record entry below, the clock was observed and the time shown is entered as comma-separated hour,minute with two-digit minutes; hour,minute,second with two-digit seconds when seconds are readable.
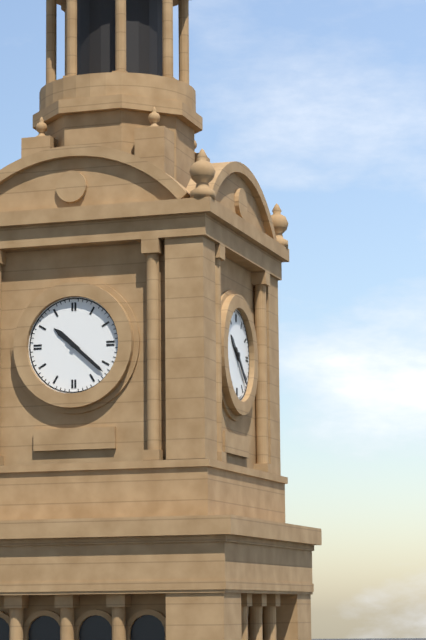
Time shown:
10,22
